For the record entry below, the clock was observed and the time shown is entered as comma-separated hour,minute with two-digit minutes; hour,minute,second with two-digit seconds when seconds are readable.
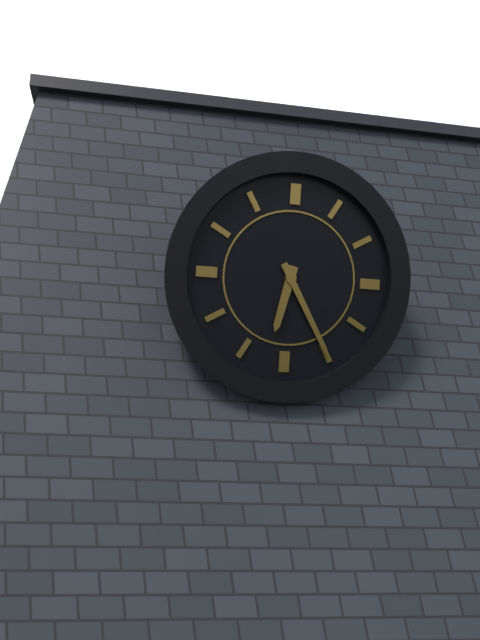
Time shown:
6,25
